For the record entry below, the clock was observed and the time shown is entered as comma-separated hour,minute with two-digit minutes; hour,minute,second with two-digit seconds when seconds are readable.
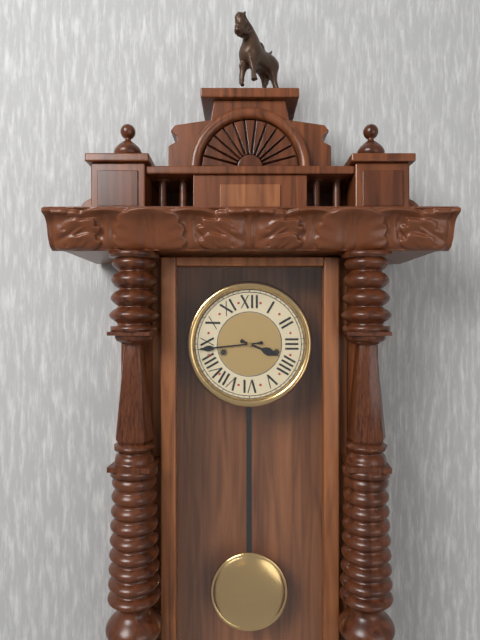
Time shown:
3,44
